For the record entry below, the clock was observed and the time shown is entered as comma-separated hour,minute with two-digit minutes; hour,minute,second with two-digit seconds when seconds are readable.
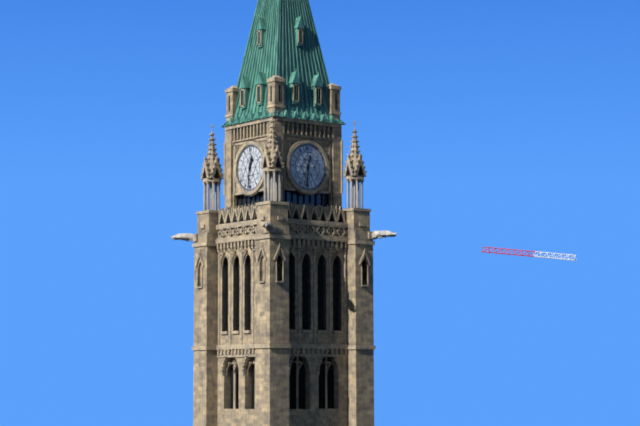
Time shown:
12,31
